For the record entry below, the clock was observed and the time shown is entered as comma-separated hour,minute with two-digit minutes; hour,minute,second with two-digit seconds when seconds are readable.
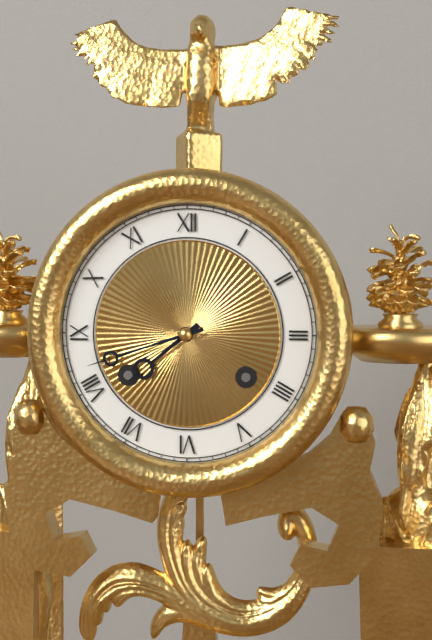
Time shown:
7,42
